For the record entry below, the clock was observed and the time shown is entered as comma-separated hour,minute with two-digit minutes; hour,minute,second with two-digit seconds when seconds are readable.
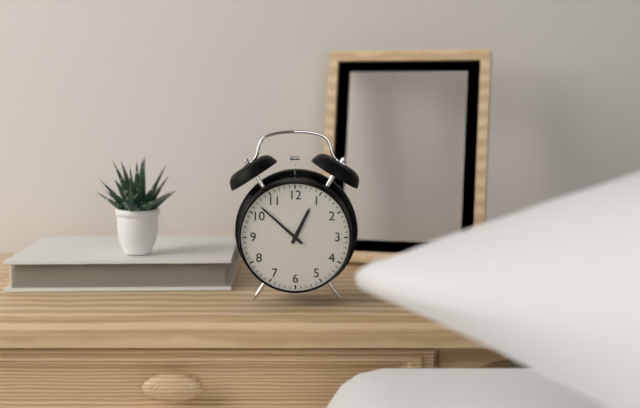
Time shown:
12,52
